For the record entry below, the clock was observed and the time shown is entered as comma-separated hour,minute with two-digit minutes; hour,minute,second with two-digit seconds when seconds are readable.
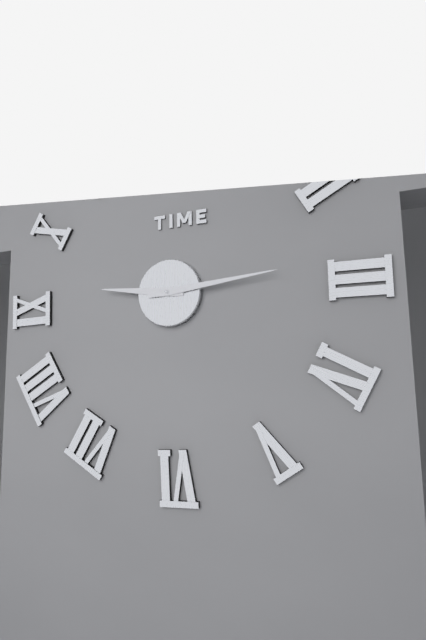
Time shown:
9,14
